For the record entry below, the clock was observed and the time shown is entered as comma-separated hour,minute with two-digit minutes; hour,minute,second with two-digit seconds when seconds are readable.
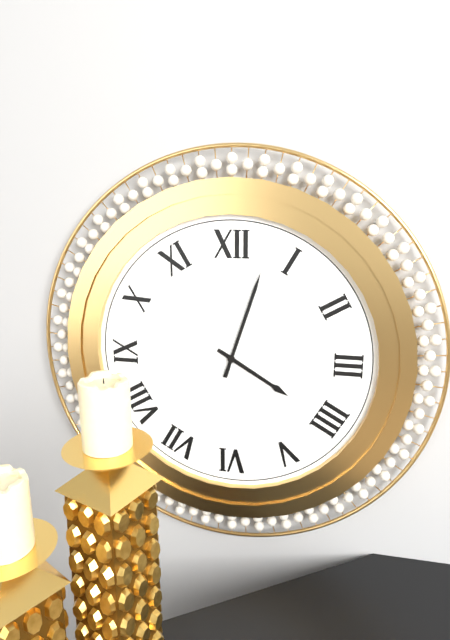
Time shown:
4,03
